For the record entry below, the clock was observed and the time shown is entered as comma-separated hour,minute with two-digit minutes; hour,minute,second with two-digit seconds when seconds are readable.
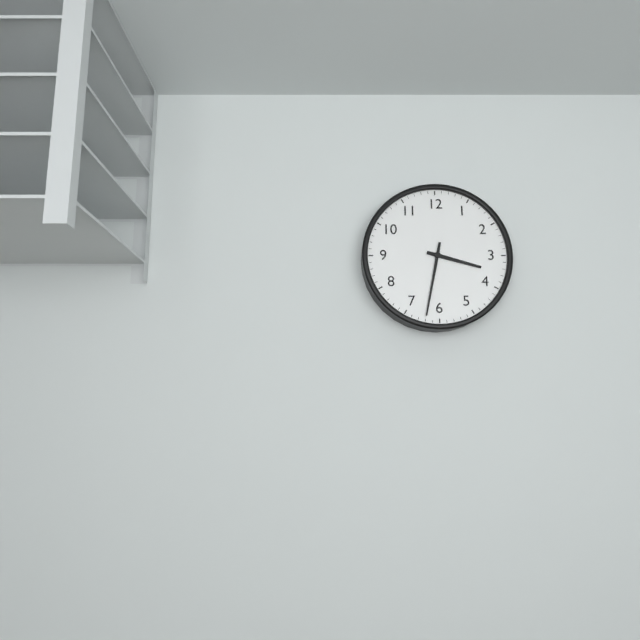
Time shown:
3,32
